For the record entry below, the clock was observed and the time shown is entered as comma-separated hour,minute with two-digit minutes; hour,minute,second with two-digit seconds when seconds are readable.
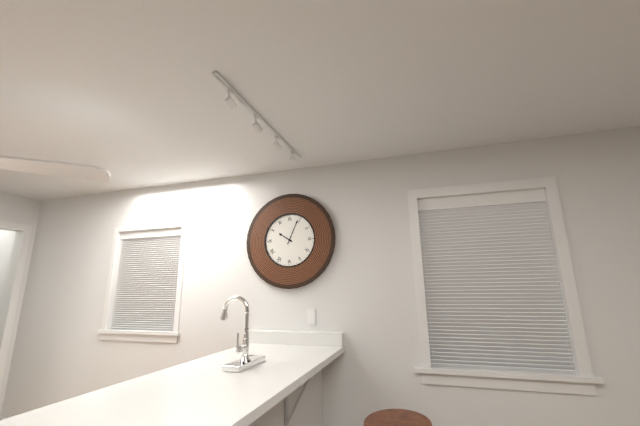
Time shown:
10,04
